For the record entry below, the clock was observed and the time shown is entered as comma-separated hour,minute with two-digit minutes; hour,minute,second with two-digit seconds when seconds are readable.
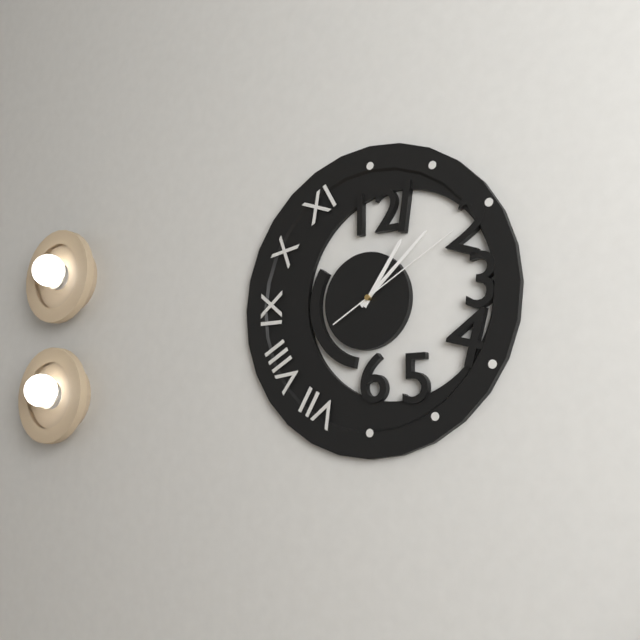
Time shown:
1,08,10
